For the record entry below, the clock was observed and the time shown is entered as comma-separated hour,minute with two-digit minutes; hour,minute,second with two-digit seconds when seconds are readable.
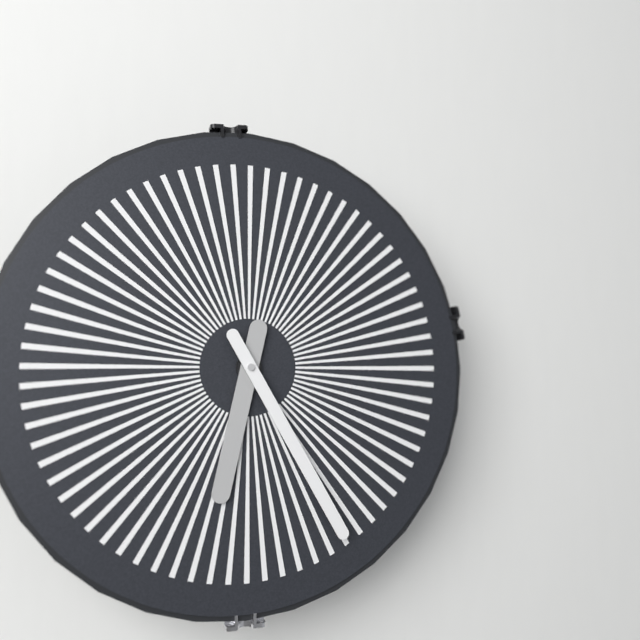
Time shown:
6,25
